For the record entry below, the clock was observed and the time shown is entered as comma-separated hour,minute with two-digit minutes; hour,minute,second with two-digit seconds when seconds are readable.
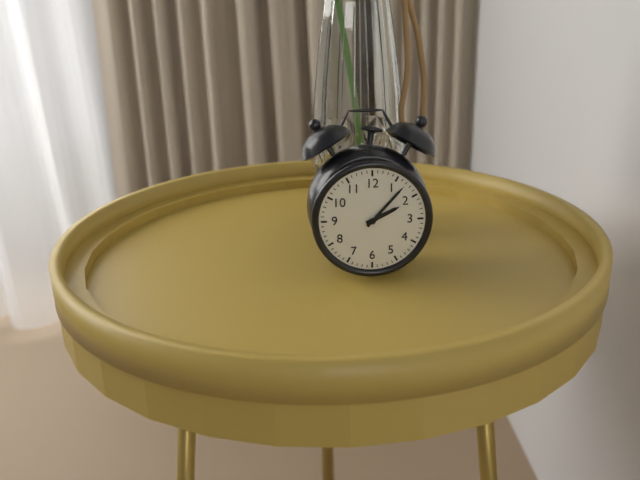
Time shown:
2,07
